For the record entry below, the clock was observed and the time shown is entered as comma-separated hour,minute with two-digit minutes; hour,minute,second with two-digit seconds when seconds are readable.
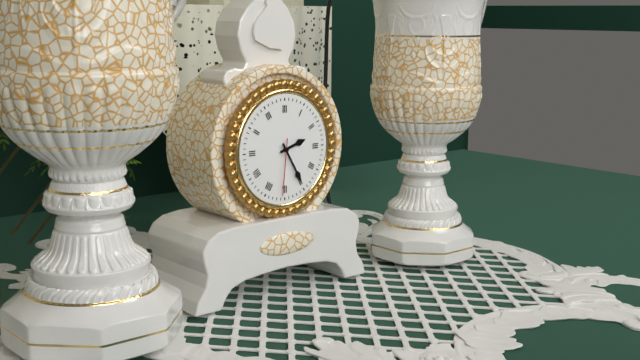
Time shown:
2,25,31
